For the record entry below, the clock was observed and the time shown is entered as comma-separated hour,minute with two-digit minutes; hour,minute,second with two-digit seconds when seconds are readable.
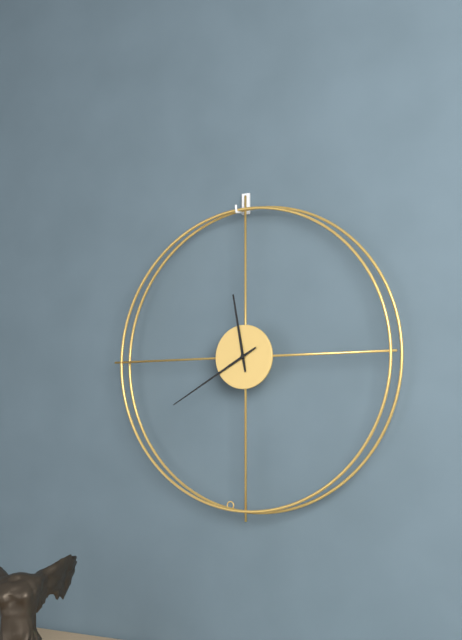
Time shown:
11,40
